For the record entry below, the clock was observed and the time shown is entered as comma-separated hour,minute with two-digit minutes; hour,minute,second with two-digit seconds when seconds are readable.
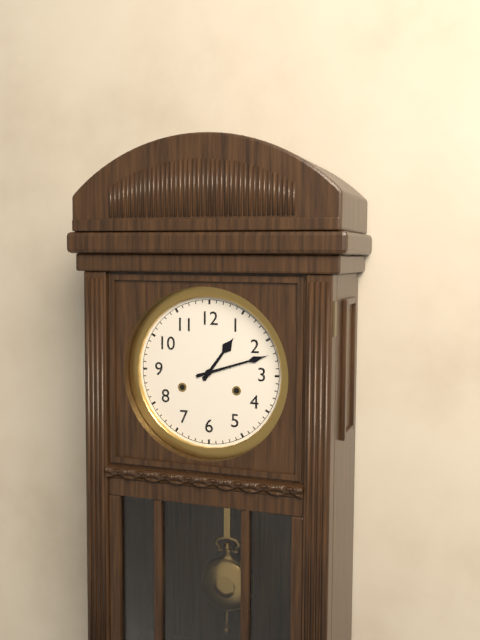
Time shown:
1,12
